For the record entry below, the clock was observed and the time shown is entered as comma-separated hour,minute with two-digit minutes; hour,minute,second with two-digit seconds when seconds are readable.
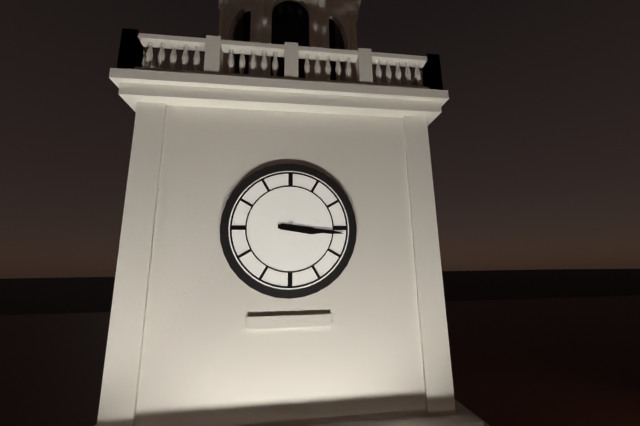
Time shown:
3,16
